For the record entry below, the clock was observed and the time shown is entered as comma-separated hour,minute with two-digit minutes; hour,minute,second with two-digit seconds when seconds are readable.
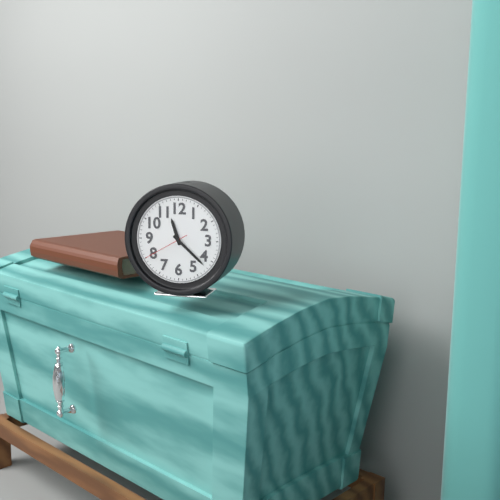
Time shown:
11,22
